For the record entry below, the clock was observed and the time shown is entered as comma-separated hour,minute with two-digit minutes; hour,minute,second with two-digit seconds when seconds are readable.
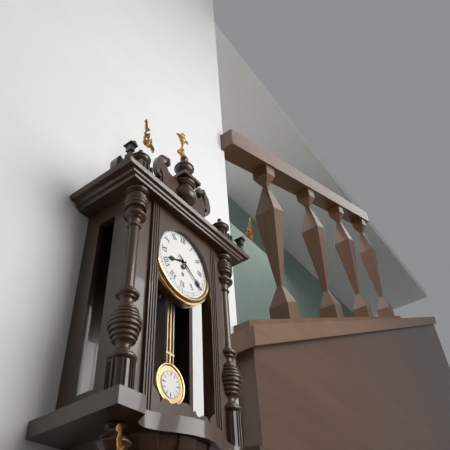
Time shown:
8,21
